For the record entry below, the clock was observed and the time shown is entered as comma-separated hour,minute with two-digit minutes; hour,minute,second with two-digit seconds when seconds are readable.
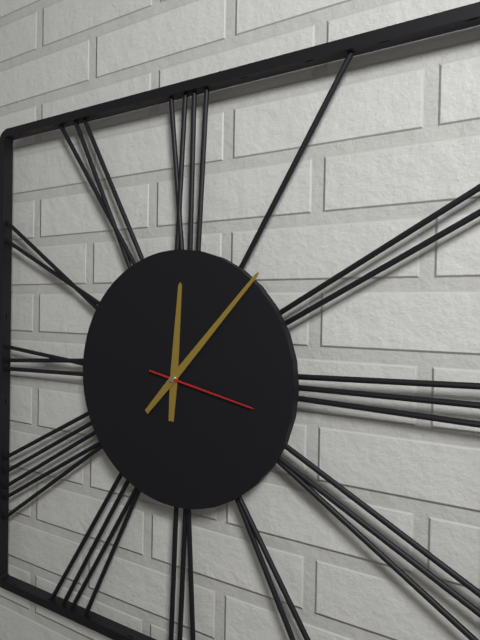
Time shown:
12,07,17
